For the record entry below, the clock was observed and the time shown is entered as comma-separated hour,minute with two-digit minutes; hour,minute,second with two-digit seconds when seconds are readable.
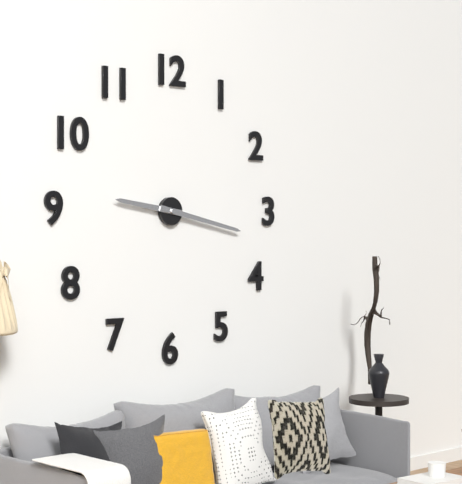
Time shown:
9,17
